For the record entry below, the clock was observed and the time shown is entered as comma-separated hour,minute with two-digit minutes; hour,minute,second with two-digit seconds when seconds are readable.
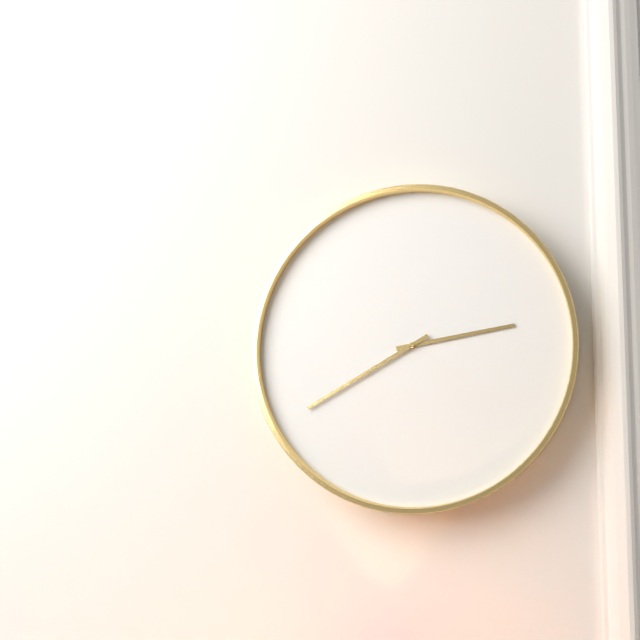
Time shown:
2,40
